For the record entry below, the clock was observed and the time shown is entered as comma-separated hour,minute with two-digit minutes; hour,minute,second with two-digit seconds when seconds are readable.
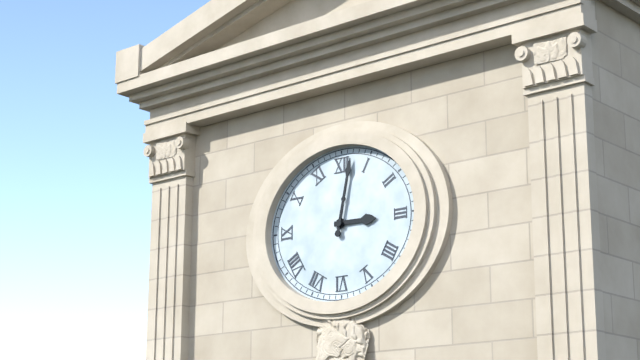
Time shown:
3,02
